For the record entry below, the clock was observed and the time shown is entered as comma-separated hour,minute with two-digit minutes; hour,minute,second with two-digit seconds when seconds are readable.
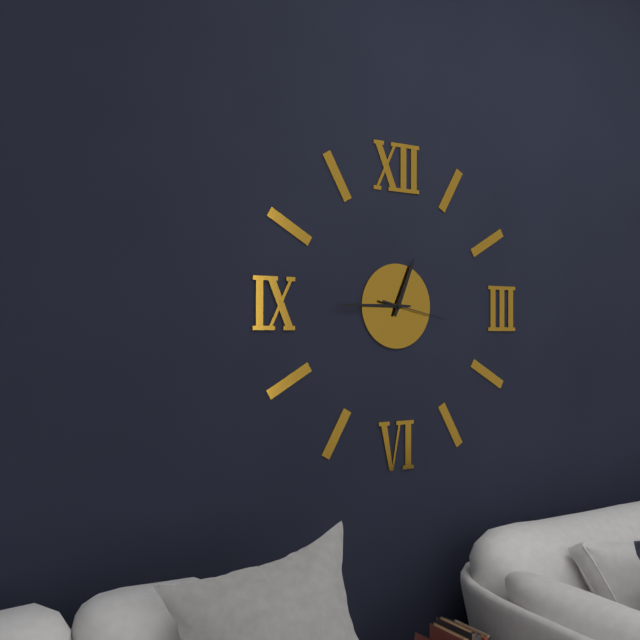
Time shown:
12,45,17
